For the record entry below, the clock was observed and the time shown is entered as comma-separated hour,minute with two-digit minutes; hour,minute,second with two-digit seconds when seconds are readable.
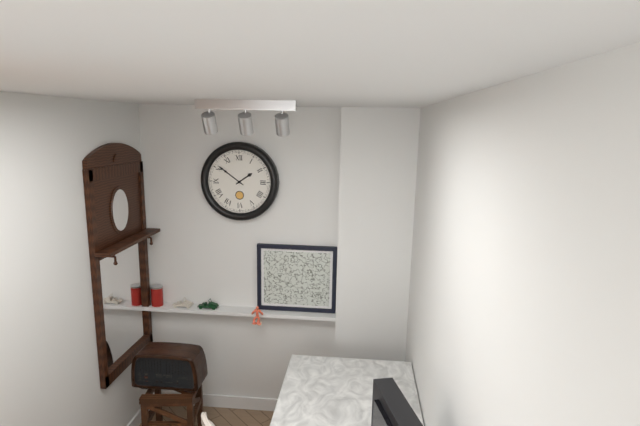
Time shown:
1,51
